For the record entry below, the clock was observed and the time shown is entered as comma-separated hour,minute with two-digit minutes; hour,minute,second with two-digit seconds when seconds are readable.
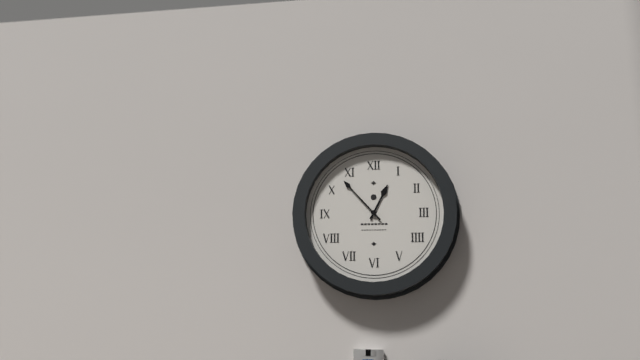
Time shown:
12,53
